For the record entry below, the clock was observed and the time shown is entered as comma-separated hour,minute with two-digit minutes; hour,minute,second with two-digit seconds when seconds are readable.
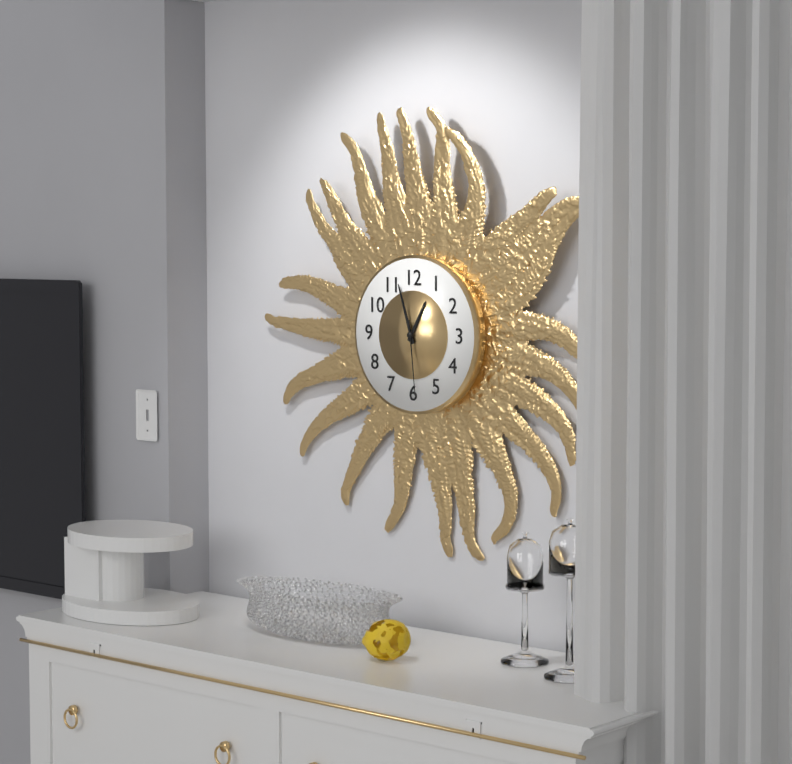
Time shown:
12,57,29
